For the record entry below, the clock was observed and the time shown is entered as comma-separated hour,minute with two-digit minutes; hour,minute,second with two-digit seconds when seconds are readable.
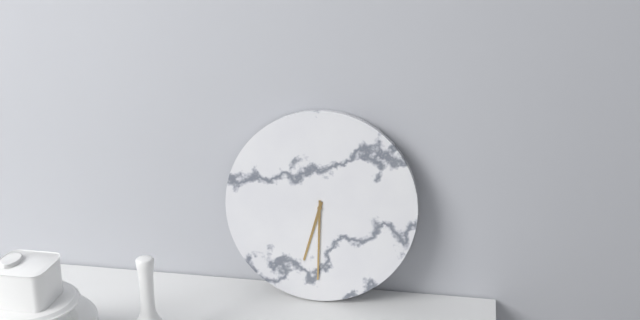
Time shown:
6,30
